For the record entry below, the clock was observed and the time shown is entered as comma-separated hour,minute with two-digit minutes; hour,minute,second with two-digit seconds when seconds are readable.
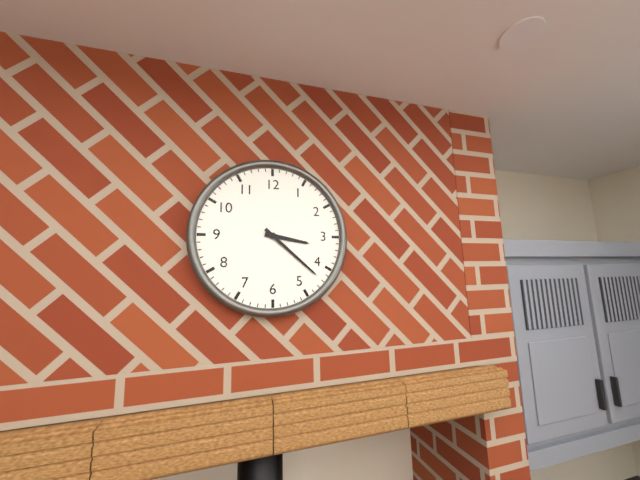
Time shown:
3,22
